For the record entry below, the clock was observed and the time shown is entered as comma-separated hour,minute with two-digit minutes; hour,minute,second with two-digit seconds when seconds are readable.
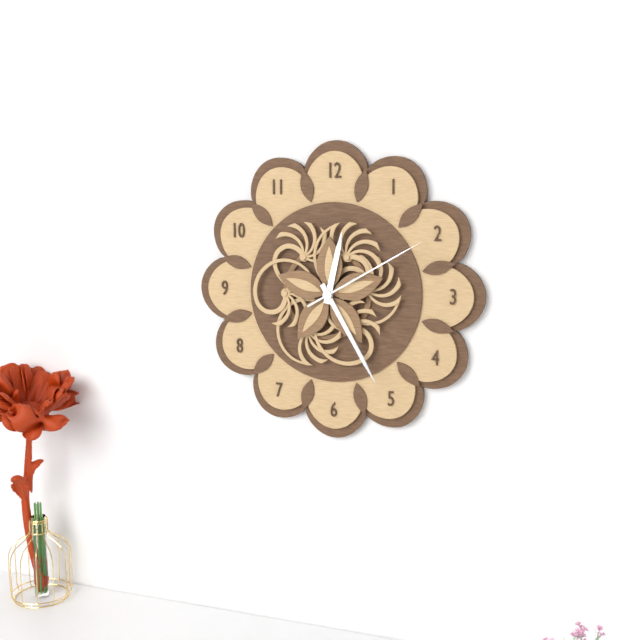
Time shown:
12,25,10
